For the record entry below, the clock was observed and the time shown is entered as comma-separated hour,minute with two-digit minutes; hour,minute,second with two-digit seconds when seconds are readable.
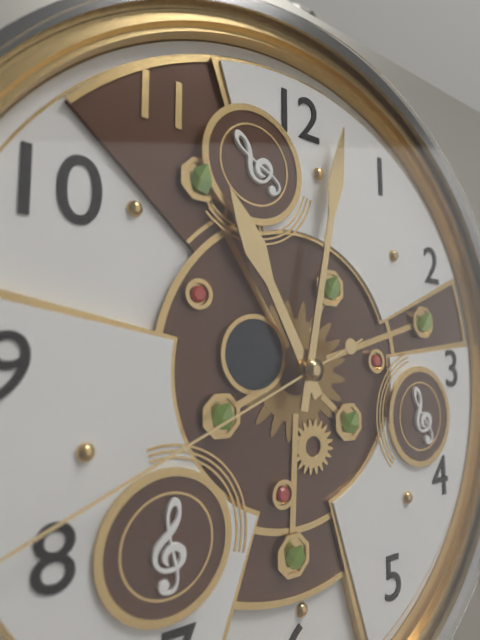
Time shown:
11,02
